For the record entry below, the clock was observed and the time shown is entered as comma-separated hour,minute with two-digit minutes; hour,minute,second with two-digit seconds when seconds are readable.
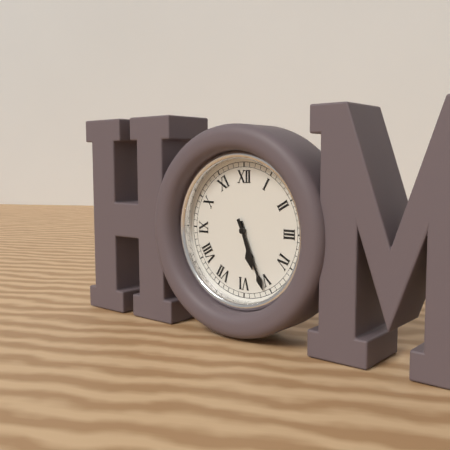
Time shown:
5,26
